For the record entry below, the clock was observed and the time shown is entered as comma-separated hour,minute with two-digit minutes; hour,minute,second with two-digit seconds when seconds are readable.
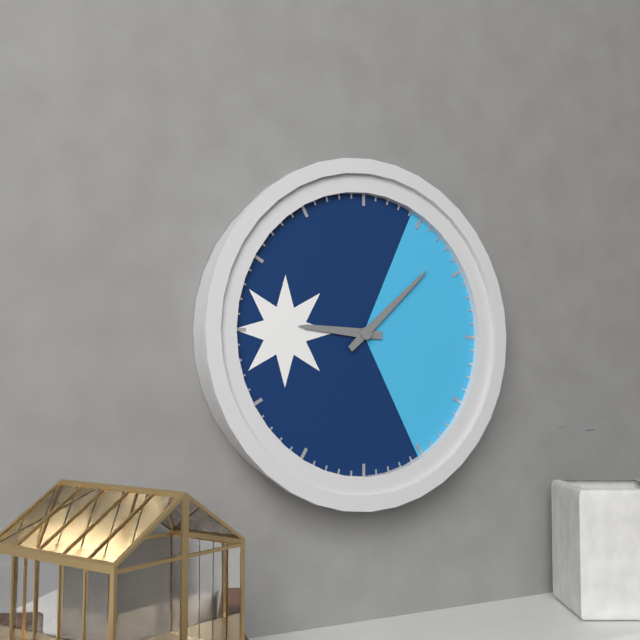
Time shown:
9,08
